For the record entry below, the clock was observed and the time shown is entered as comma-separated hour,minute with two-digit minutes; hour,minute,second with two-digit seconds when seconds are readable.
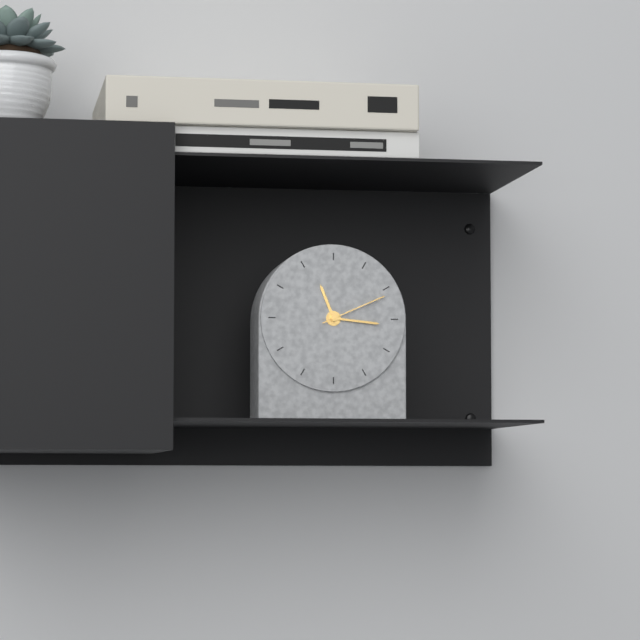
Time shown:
11,16,11
